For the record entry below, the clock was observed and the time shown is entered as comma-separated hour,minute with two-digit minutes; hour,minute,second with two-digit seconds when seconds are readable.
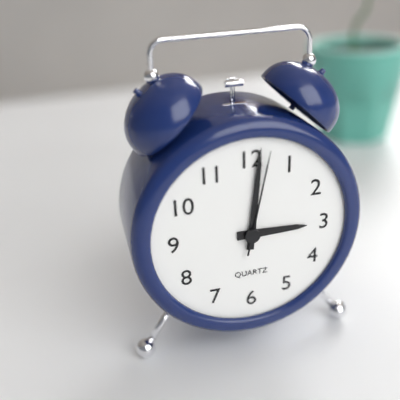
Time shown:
3,01,02
